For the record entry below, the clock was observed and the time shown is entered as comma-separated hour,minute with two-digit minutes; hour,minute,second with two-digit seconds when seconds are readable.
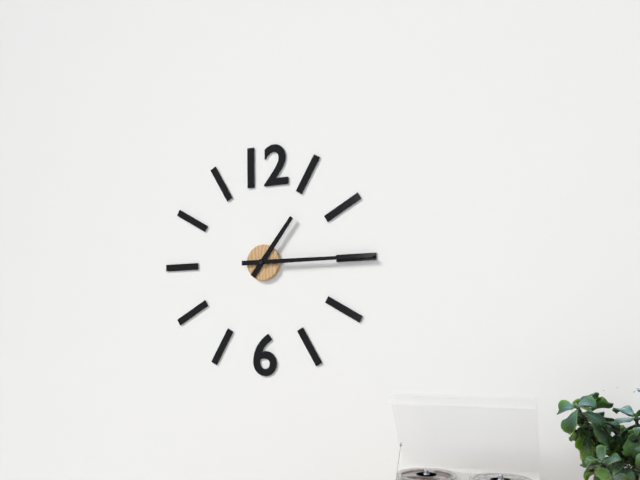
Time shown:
1,15
